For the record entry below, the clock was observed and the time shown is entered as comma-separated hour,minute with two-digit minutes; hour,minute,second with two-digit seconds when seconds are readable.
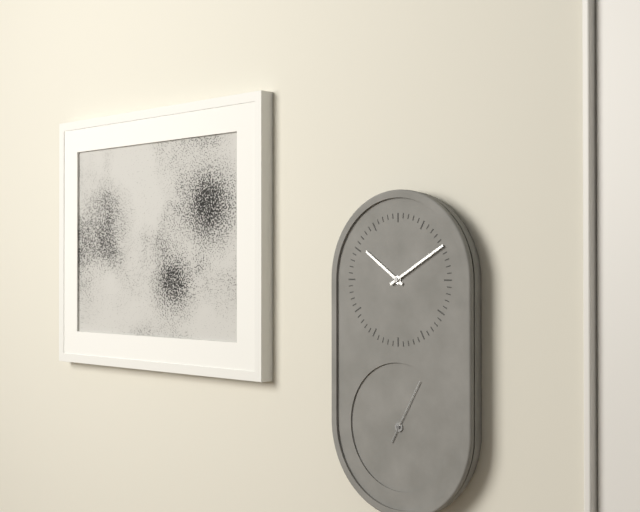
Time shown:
10,10,05
